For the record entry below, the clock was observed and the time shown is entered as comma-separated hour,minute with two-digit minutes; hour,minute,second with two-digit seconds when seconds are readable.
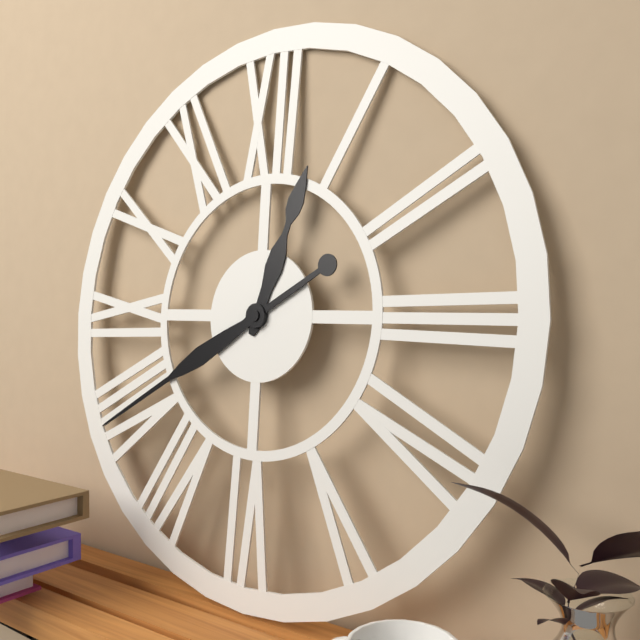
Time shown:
12,40
